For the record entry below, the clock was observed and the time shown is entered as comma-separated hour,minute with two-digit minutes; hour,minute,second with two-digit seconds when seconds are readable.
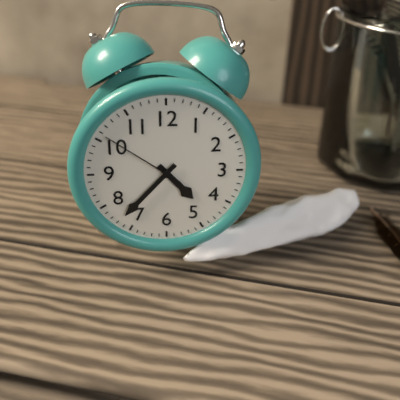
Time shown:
4,37,51
